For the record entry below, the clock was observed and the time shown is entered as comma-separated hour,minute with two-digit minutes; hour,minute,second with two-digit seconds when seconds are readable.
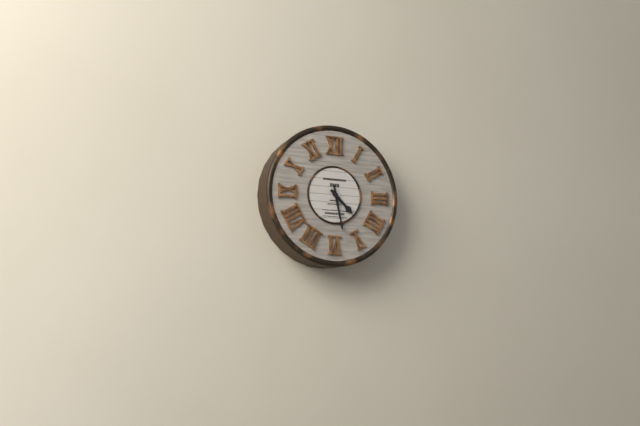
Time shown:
4,28
